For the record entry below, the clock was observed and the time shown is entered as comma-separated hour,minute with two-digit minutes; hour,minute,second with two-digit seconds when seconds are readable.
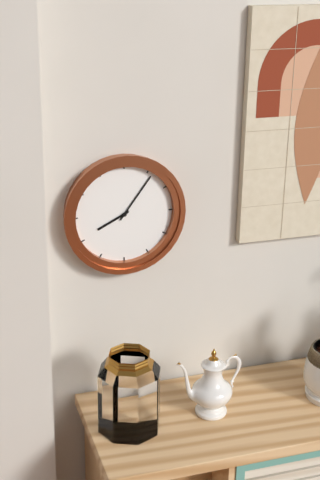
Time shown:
8,06
